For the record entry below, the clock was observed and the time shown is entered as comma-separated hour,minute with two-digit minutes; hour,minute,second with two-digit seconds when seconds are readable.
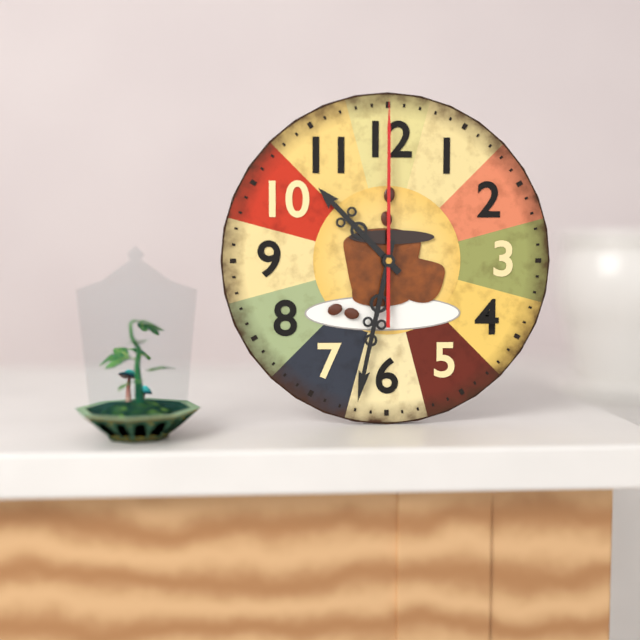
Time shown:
10,32,00
